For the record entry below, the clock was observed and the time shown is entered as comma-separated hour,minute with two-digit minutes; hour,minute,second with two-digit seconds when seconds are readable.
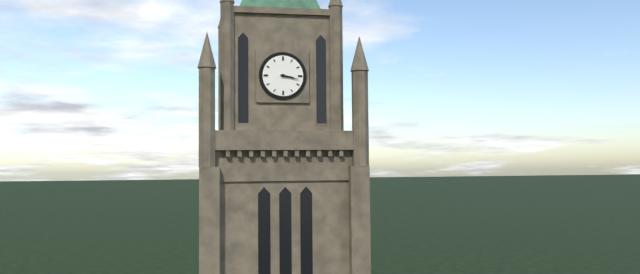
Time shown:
3,17
